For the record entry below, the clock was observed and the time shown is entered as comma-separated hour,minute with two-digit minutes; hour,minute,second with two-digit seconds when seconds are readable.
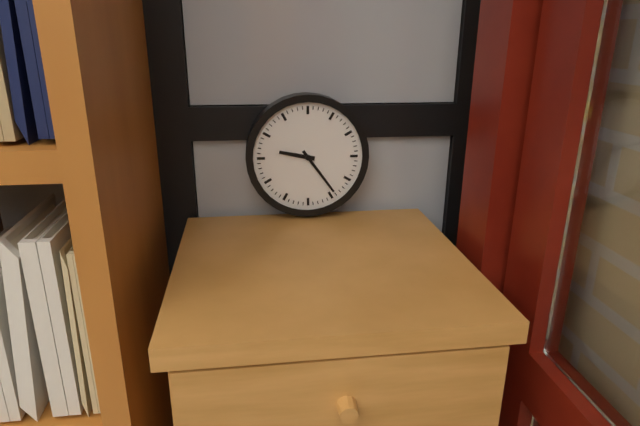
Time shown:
9,24
